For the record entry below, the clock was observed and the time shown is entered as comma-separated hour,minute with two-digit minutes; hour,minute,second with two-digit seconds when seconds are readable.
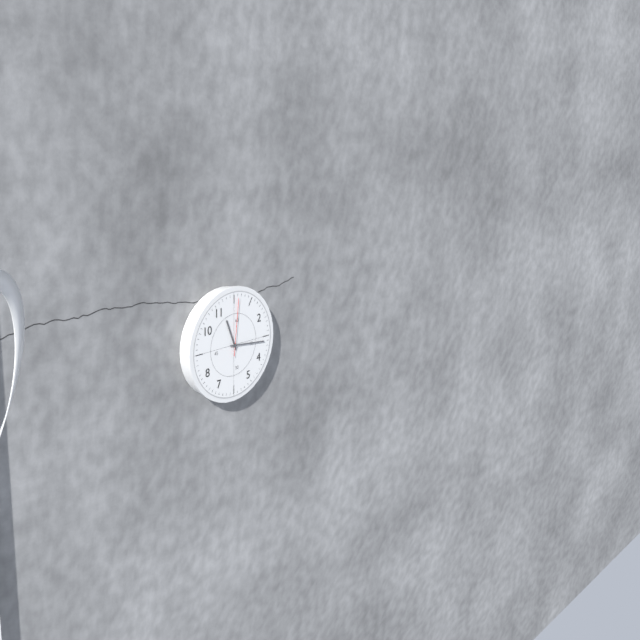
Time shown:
11,16,01
